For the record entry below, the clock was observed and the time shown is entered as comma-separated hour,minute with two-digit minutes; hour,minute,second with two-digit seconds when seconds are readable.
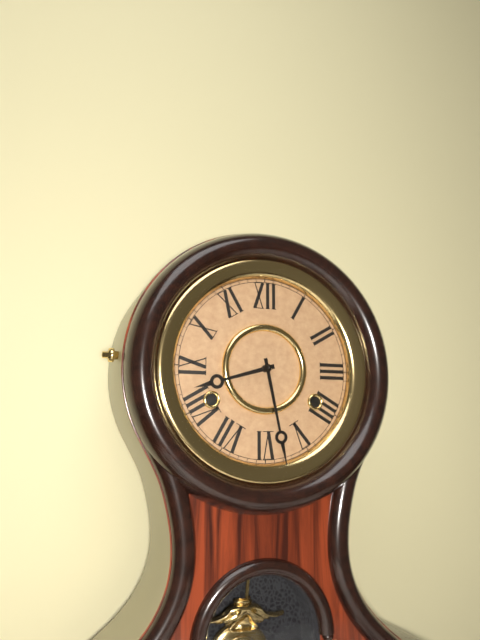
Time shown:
8,28
